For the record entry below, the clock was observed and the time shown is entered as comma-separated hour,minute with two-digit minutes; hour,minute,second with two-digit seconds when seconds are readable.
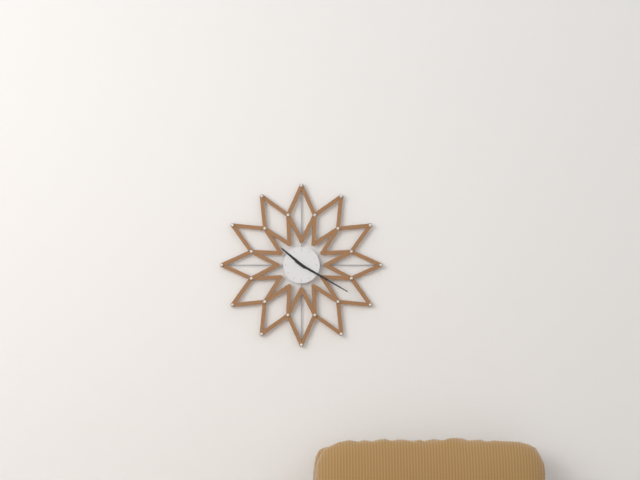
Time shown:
10,20
